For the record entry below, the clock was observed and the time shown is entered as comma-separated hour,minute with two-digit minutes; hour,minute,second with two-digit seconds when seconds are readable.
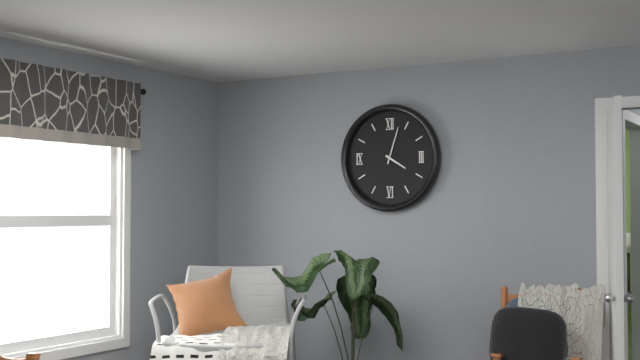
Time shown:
4,03
